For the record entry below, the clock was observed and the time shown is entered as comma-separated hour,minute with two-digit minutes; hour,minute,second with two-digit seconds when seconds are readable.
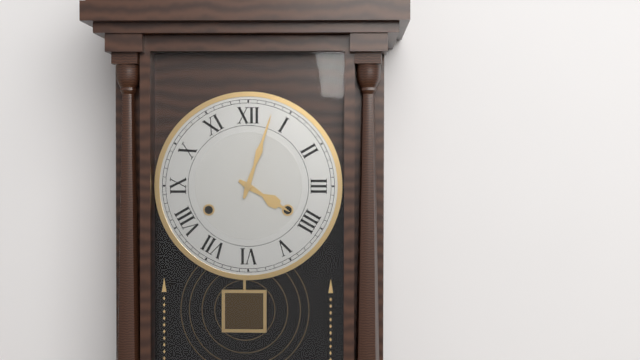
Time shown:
4,03
